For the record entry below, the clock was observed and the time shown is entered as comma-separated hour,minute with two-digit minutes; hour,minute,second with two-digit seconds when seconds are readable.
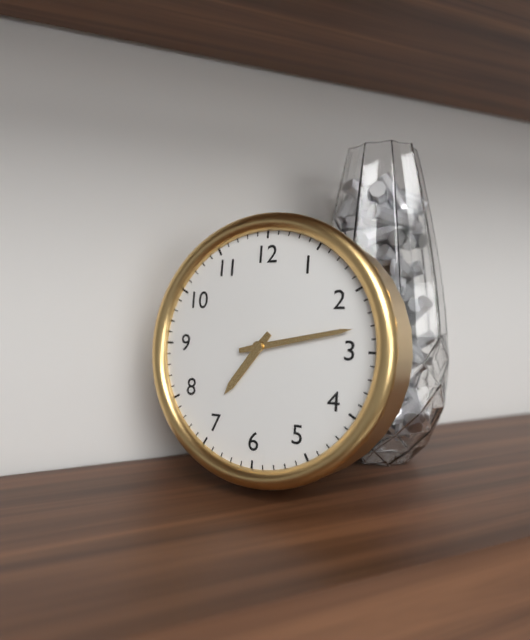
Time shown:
7,13
